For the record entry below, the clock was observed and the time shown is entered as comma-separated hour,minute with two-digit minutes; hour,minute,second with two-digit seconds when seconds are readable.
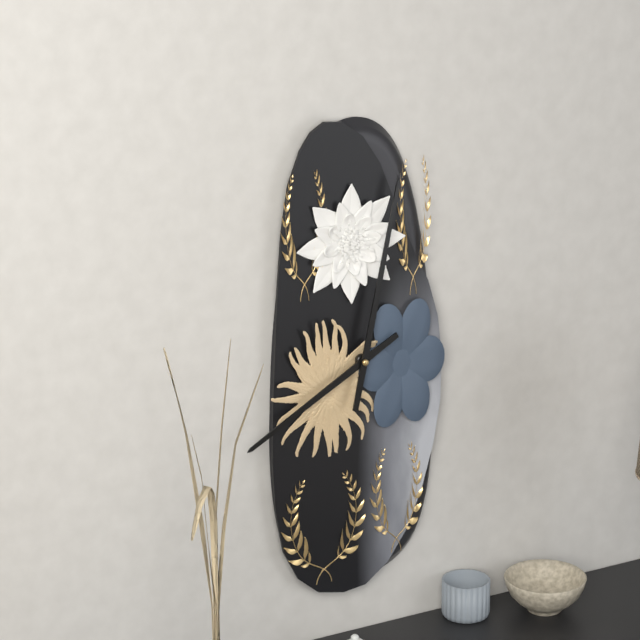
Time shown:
8,02
